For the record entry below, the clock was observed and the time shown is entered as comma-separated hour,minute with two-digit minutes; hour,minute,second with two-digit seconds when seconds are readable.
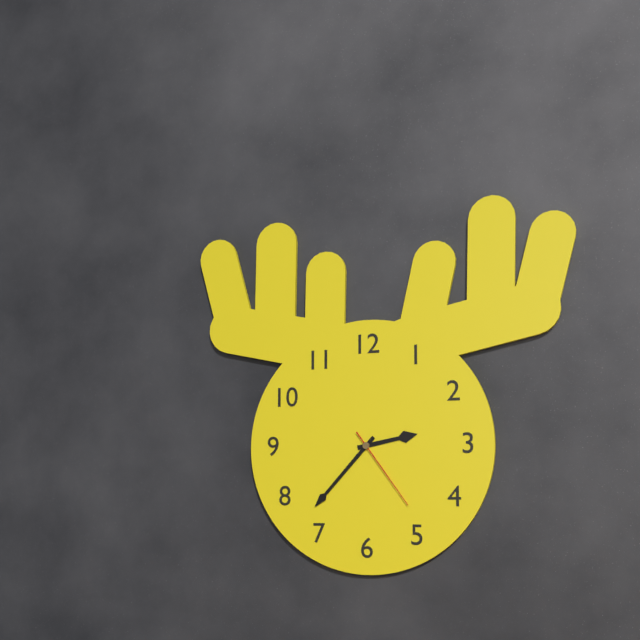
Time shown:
2,37,24
